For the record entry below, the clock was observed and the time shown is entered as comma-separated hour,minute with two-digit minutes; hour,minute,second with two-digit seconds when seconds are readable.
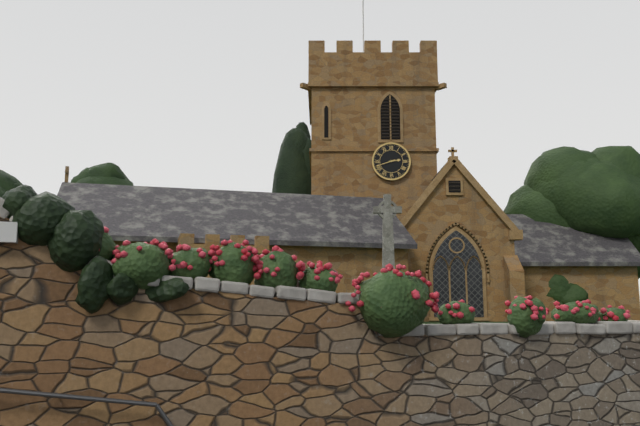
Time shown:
2,42
